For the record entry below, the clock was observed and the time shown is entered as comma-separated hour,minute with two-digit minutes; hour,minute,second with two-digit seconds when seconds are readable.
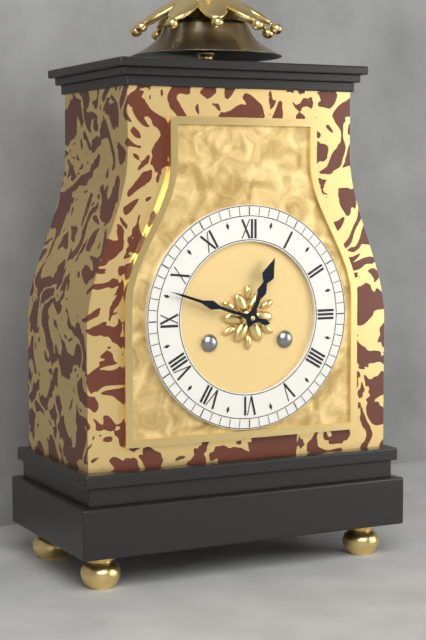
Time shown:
12,48
